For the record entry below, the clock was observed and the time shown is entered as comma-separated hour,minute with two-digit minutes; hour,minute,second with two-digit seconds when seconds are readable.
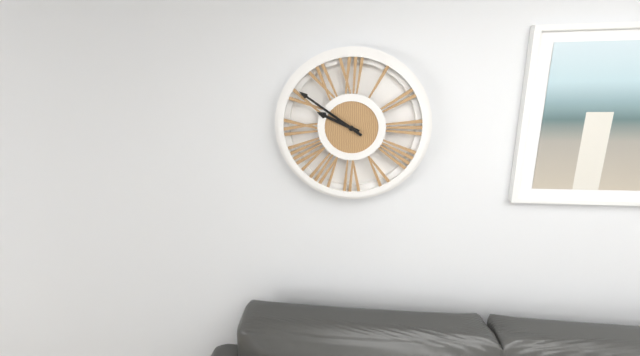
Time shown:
9,51
